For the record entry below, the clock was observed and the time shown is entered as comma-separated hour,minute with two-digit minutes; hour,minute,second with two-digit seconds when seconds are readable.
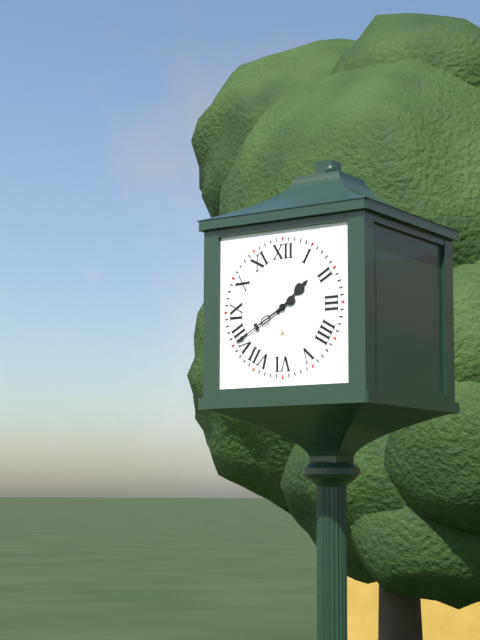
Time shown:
1,40
